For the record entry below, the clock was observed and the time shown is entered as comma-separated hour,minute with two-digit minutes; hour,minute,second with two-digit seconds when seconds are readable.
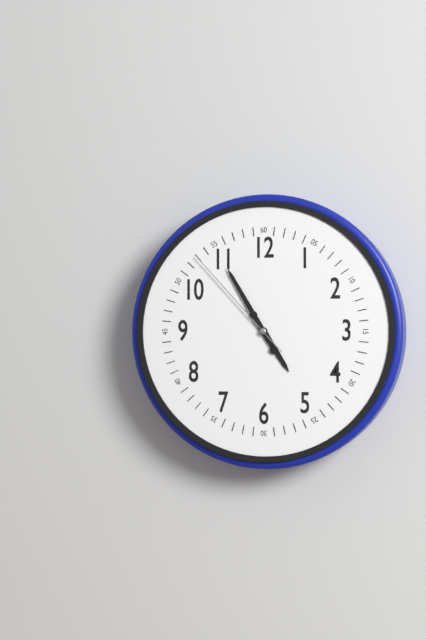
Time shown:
4,55,53
